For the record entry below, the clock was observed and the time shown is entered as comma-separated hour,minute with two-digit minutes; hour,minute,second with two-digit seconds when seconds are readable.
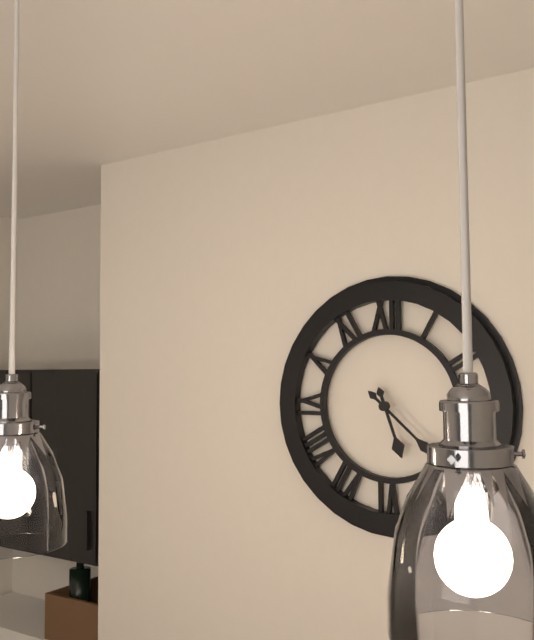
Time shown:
5,22
